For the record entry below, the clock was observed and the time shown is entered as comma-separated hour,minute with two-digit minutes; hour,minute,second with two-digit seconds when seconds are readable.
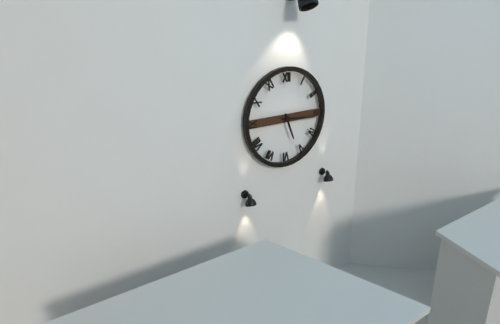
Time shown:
5,16
